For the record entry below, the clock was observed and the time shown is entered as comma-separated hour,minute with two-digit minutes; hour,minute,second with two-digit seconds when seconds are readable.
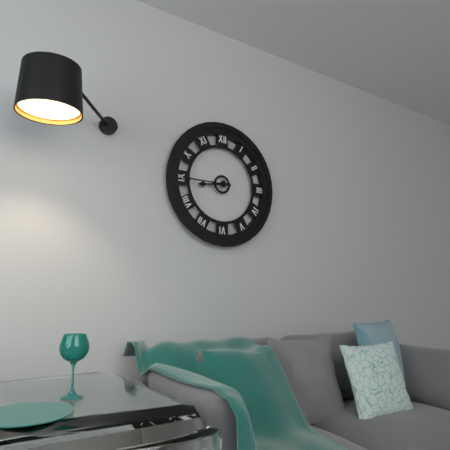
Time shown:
8,45
